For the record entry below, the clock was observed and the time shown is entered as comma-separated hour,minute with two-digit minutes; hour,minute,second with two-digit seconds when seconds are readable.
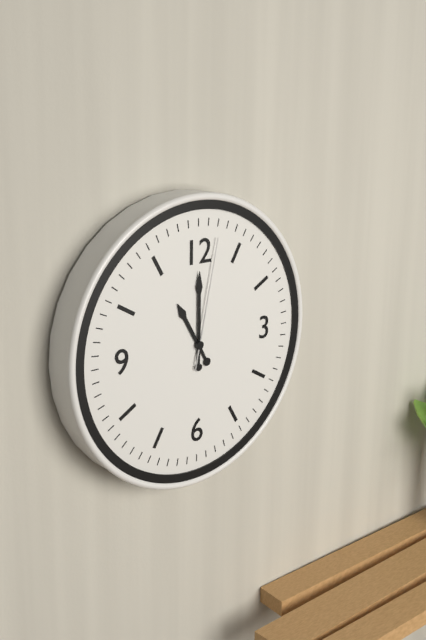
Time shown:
11,00,02
